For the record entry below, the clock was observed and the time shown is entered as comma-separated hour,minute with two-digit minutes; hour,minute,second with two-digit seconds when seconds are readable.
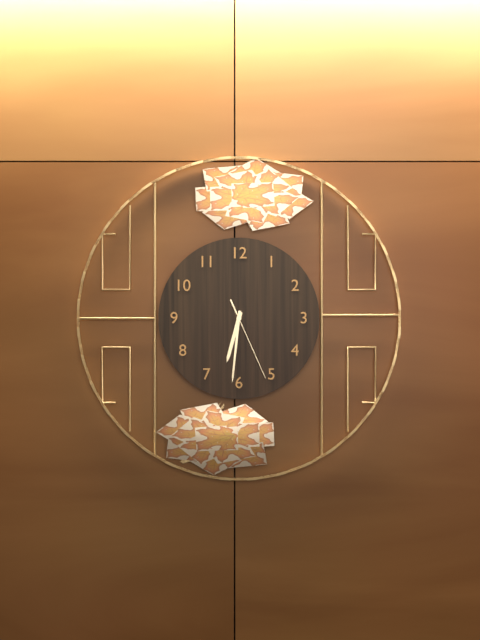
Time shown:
6,31,26
